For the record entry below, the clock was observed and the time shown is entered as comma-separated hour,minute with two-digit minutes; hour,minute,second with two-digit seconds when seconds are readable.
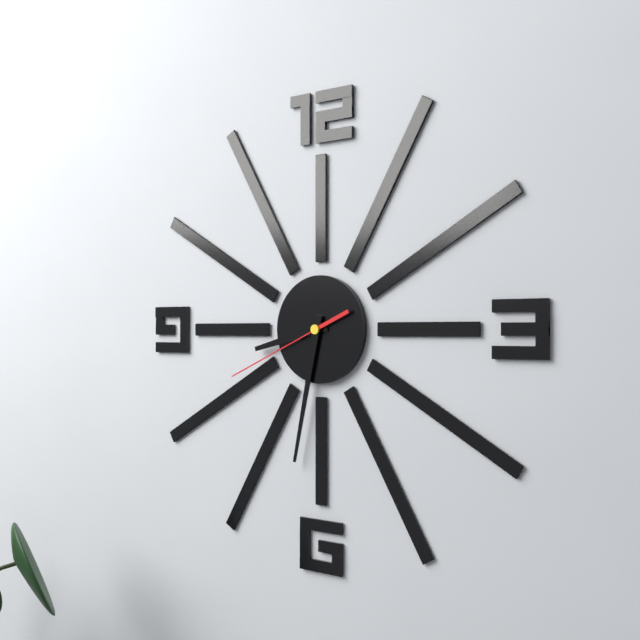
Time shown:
8,32,41
